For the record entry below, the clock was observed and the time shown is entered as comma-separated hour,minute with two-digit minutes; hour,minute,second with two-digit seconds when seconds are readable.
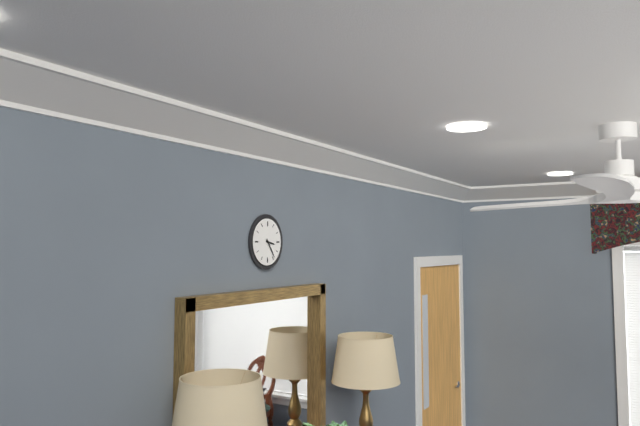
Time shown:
3,24
